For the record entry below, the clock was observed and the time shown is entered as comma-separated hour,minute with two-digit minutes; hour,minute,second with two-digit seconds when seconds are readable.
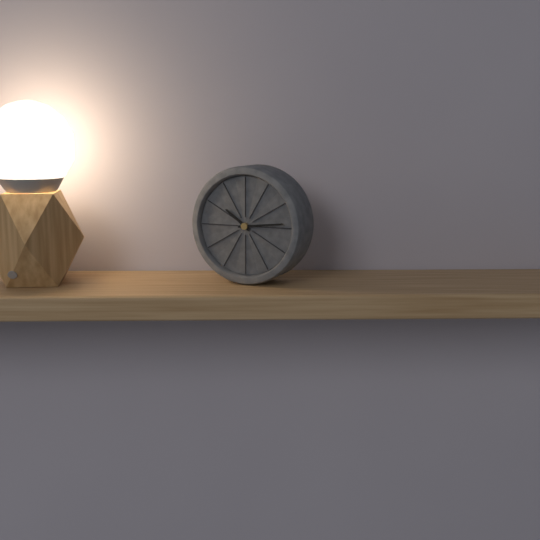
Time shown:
10,14
